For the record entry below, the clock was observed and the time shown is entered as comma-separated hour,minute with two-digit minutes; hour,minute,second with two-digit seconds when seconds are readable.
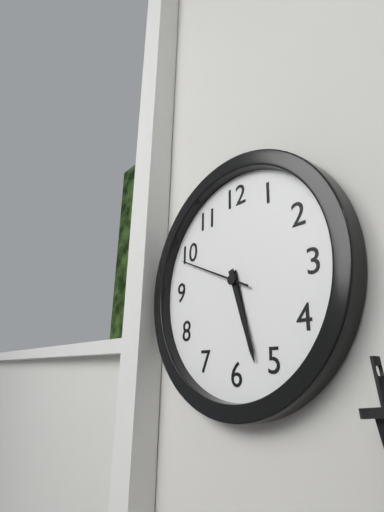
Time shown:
5,27,49
